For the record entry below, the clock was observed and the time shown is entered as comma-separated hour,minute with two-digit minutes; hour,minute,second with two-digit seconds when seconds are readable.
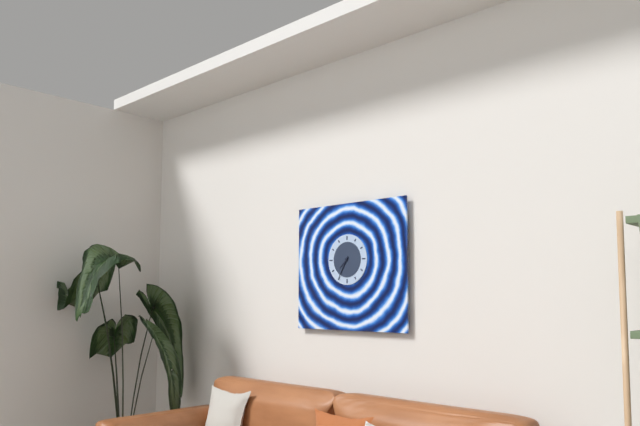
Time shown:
7,35
